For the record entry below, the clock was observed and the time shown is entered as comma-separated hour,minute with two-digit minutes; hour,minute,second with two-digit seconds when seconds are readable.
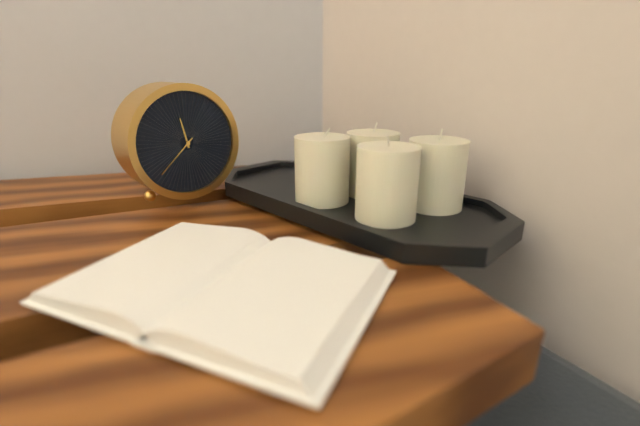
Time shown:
11,38
